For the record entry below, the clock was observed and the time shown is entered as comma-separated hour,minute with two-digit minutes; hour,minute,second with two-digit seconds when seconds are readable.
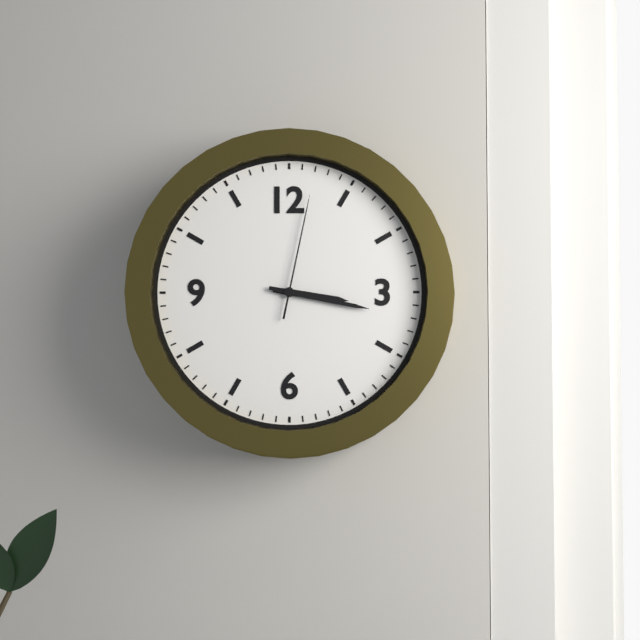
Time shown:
3,17,02
